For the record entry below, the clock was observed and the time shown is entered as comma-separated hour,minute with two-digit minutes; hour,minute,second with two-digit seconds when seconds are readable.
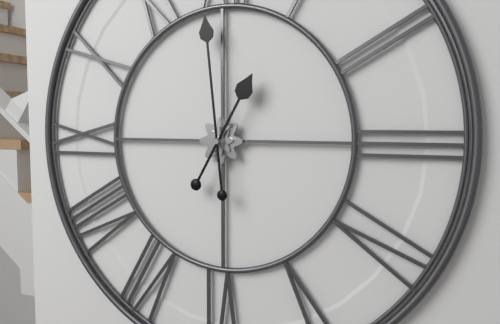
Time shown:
12,59
